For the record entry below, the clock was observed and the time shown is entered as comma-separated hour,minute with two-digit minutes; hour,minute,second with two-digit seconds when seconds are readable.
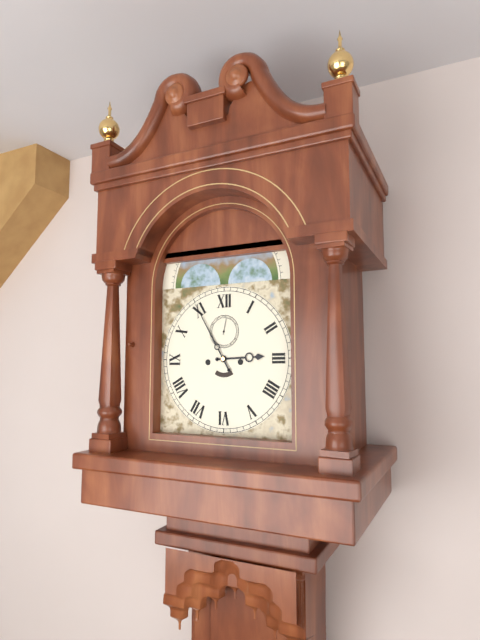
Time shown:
2,55
